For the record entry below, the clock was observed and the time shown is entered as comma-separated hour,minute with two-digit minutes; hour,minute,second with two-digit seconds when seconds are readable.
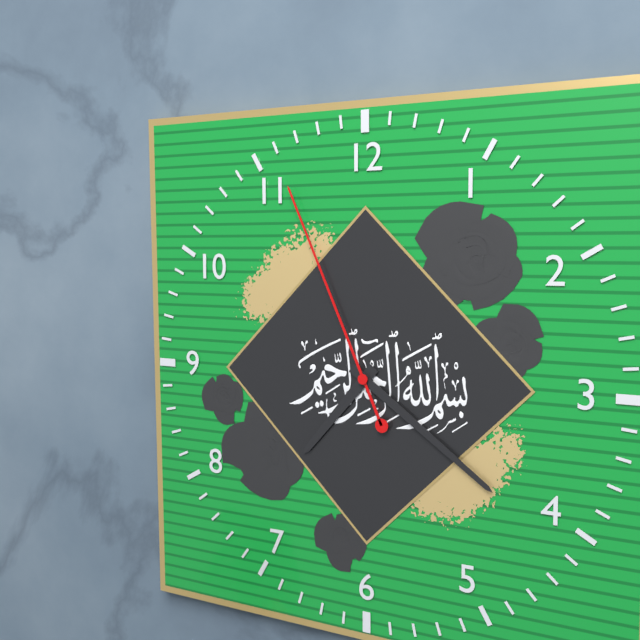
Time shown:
7,21,56
